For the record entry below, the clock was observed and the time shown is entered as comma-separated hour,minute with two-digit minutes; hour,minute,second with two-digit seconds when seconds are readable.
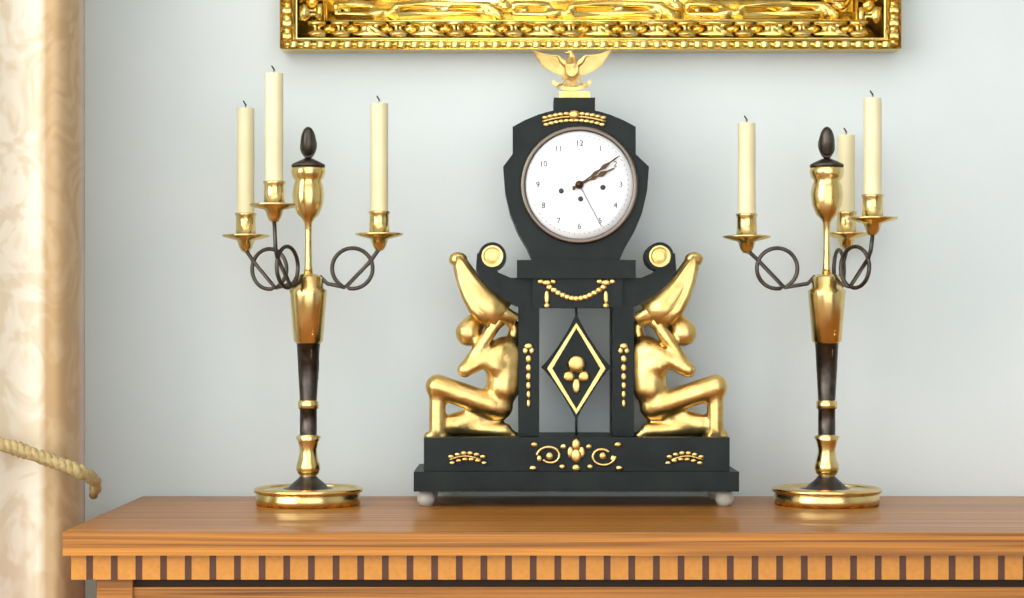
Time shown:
2,09
